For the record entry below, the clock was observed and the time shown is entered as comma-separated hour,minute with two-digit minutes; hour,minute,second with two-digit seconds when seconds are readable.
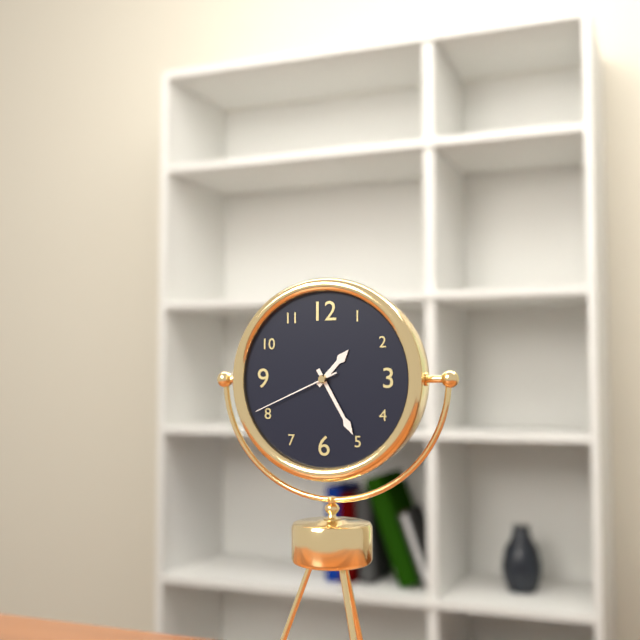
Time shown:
1,25,41
